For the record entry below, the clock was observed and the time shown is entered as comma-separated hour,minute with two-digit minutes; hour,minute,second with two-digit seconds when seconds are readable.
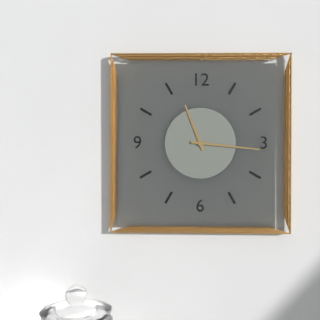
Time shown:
11,16
